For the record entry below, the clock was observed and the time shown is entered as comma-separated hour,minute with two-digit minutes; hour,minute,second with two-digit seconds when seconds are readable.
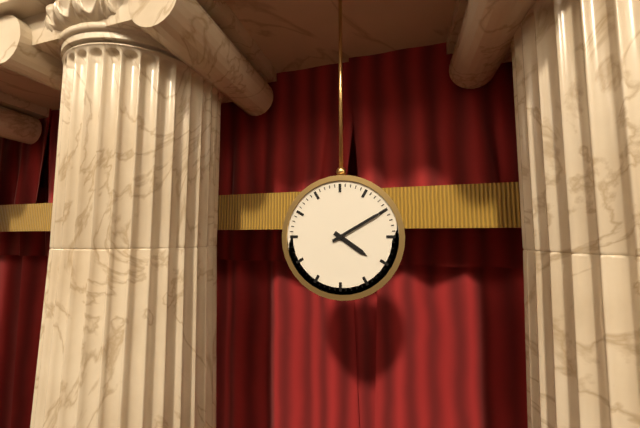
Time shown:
4,10
